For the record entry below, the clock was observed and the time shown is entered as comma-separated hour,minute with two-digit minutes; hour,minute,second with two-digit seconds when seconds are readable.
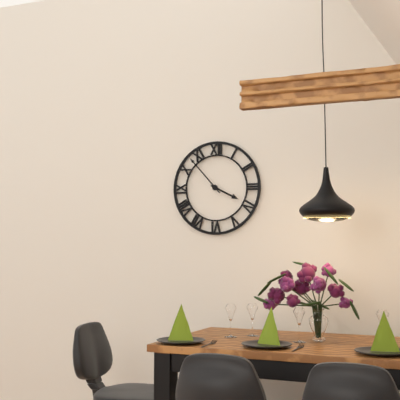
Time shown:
3,53
